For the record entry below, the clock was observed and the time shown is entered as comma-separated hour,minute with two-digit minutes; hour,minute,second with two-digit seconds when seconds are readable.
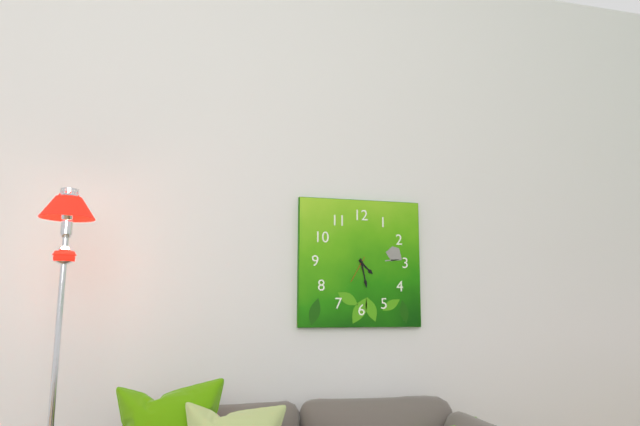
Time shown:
4,28
